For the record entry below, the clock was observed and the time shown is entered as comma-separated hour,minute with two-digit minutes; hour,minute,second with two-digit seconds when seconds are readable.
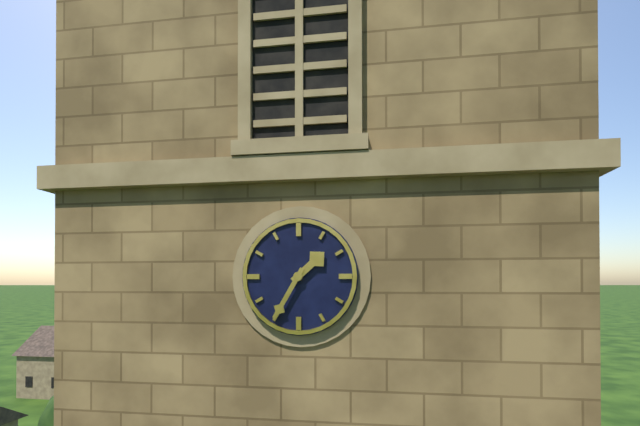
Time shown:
1,35
